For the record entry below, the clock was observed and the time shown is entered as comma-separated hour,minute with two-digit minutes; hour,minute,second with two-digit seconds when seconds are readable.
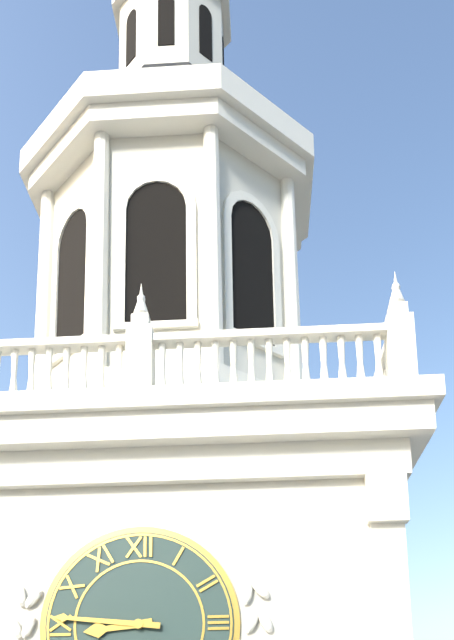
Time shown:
8,46
